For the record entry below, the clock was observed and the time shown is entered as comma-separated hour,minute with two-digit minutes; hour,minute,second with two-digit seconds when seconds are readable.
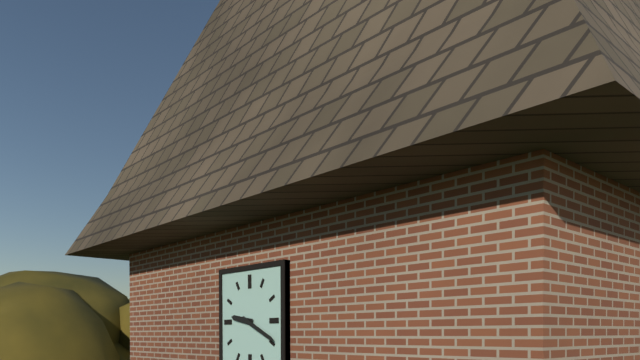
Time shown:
9,19
